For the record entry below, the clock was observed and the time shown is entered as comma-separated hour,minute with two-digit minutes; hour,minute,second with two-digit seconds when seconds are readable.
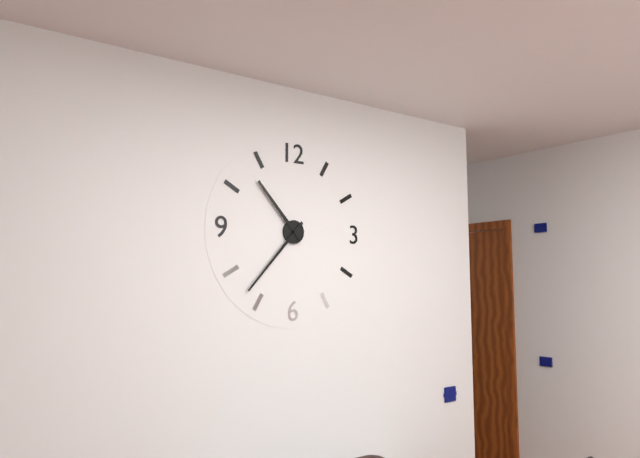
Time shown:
10,37
